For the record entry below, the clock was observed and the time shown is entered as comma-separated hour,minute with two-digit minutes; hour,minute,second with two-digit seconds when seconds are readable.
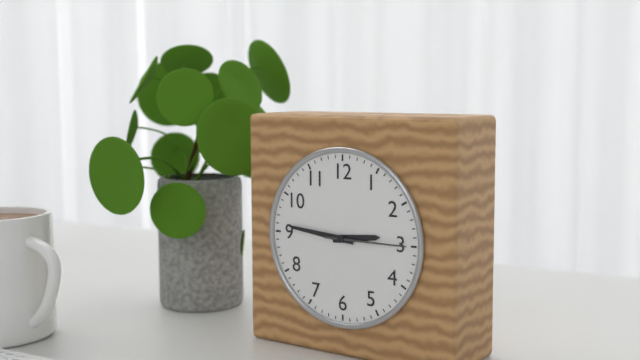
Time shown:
2,46,15
